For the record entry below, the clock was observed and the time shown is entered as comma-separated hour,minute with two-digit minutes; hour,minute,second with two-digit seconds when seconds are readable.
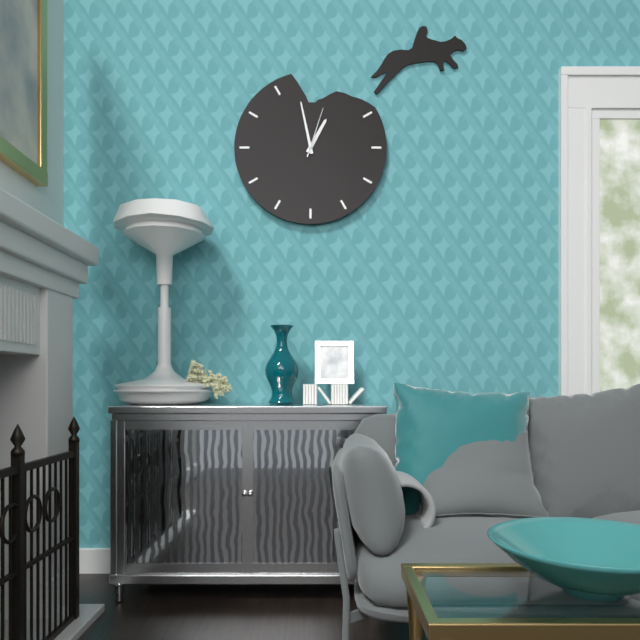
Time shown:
12,58,03
